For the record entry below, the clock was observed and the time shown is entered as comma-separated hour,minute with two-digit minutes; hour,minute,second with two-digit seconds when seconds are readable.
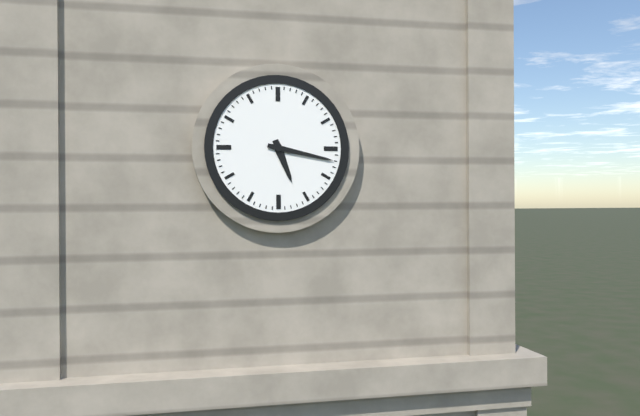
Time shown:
5,17
